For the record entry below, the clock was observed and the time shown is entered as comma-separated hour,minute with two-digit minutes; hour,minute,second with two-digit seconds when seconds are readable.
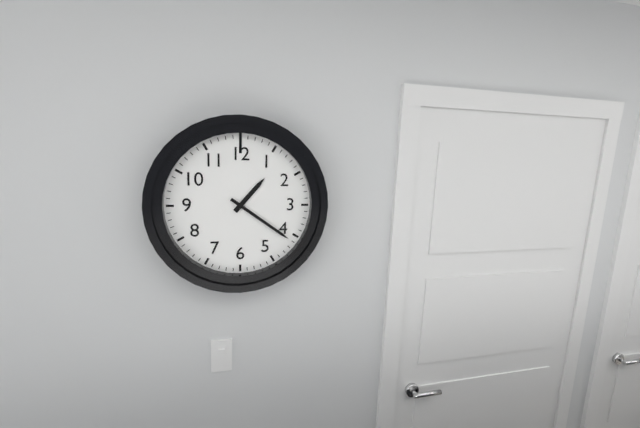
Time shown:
1,21
